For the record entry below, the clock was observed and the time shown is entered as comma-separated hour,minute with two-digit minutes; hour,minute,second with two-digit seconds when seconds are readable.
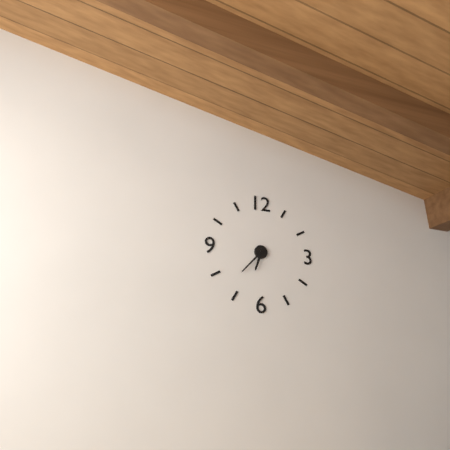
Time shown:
6,37
